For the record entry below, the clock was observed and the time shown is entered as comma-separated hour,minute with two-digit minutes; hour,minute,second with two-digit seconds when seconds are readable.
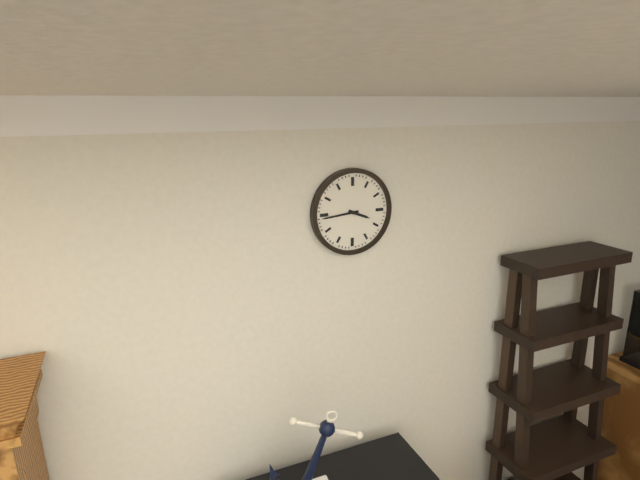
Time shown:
3,44
